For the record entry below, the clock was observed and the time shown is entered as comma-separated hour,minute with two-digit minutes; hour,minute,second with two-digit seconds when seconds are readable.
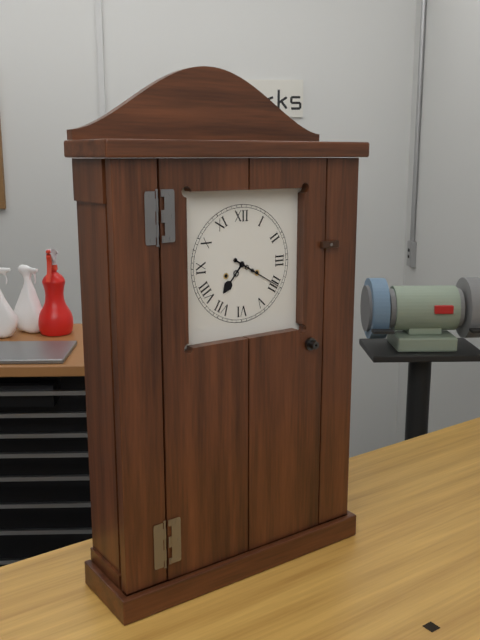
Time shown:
7,20
